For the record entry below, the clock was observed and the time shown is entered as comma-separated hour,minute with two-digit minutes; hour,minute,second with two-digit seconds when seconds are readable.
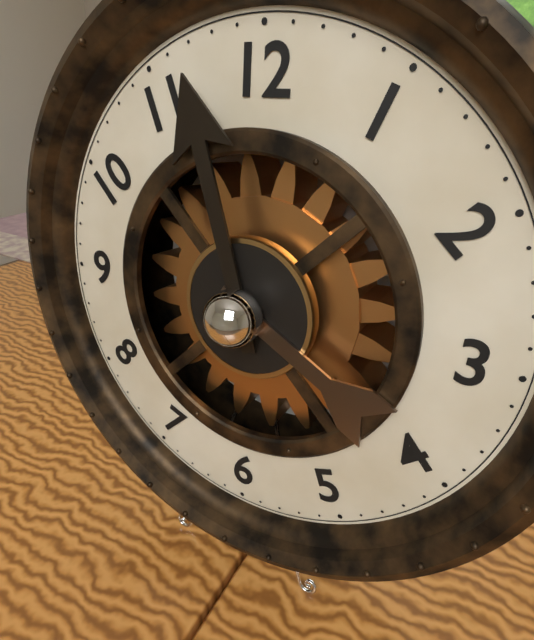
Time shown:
3,57
